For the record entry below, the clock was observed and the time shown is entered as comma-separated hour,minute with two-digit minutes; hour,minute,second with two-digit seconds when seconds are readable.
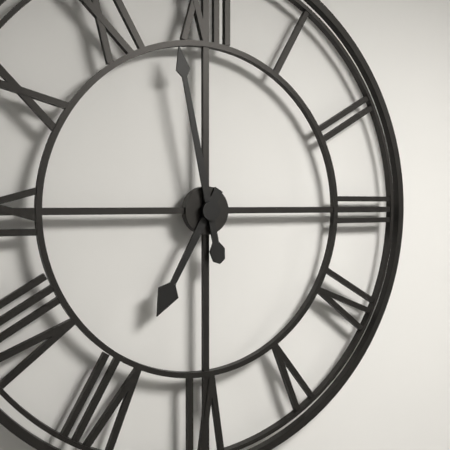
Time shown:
6,58
